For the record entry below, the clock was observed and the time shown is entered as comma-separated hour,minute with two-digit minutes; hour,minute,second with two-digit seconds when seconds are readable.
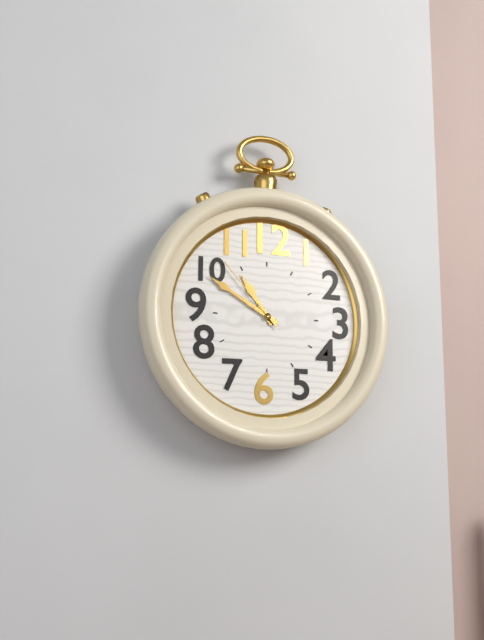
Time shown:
10,50,53
